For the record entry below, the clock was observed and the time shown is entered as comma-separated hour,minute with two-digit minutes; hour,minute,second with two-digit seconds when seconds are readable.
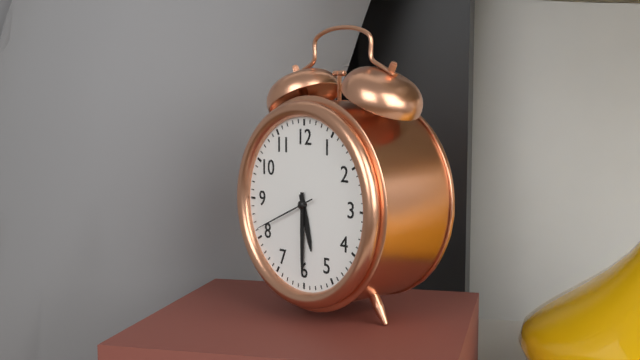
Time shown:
5,30,41
